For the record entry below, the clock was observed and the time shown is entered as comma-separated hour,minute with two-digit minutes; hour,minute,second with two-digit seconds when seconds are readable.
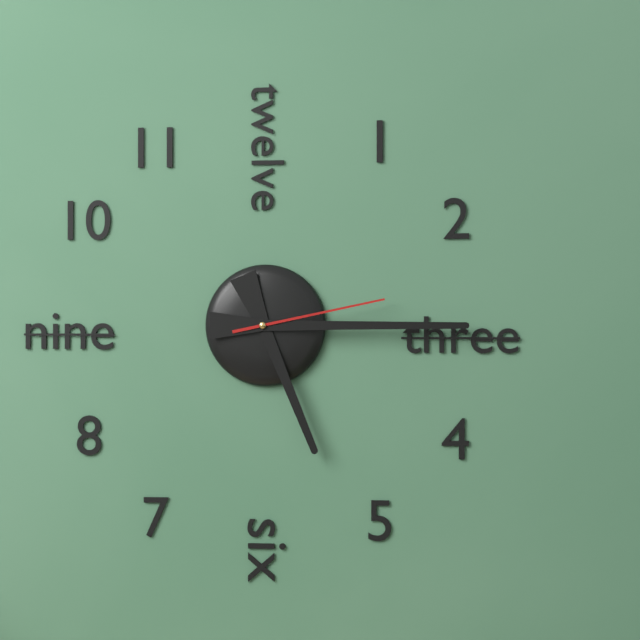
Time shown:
5,15,13
